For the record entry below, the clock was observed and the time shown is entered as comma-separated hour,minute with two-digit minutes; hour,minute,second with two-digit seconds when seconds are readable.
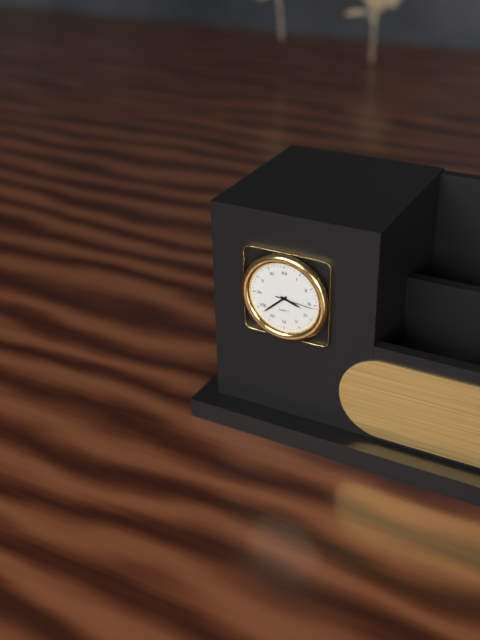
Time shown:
3,38
